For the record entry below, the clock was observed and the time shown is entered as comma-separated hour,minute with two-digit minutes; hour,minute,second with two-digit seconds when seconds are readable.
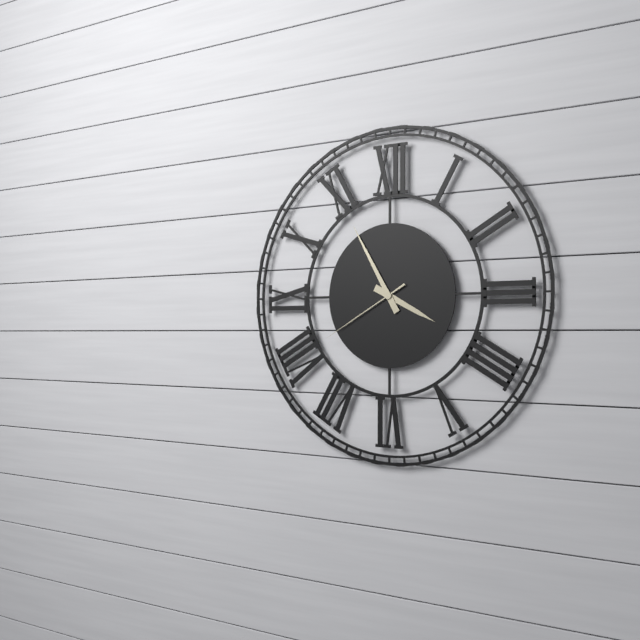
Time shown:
3,55,40
